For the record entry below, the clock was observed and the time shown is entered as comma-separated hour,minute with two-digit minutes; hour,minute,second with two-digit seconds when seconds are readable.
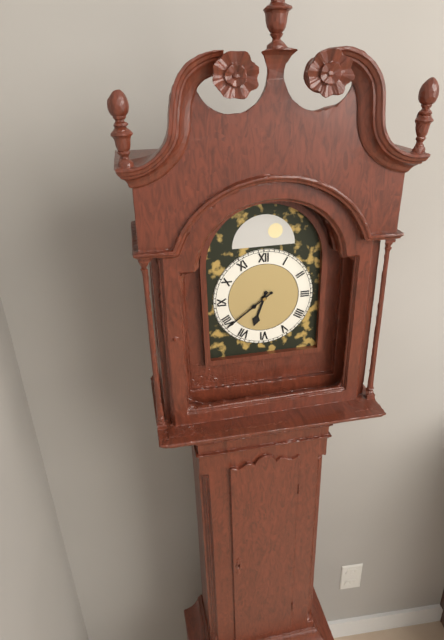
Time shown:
6,39
